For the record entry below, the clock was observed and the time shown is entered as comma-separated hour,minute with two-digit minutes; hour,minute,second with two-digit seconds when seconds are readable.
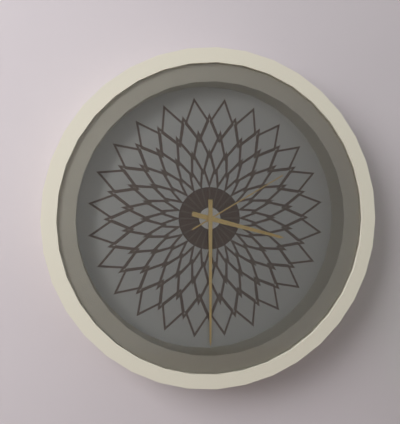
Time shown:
3,30,10
